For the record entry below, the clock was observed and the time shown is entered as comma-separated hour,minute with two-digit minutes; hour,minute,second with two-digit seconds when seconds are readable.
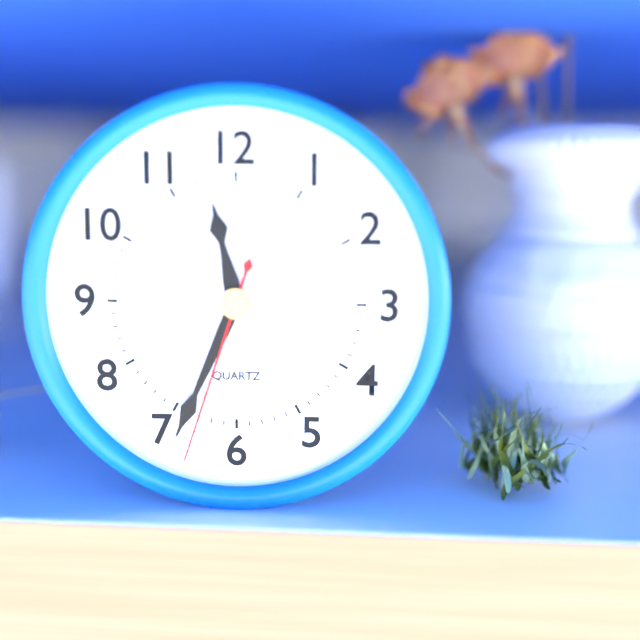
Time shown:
11,34,33
